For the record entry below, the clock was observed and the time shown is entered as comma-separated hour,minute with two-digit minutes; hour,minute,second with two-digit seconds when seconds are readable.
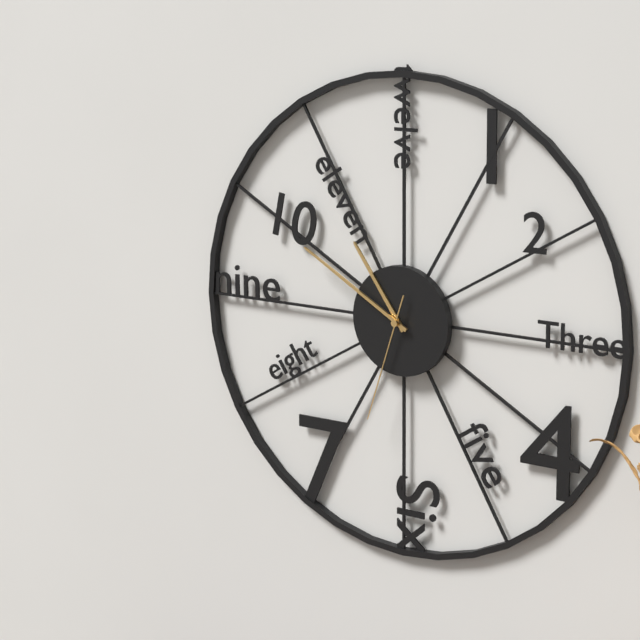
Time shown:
10,50,33
